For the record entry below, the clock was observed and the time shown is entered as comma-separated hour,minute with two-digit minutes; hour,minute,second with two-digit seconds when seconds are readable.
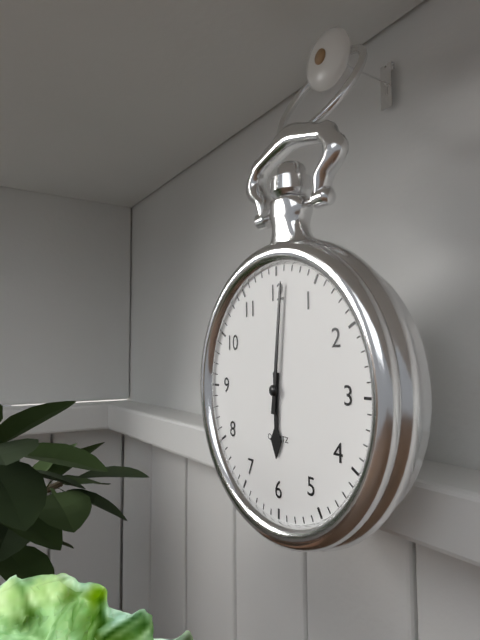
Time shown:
6,01
